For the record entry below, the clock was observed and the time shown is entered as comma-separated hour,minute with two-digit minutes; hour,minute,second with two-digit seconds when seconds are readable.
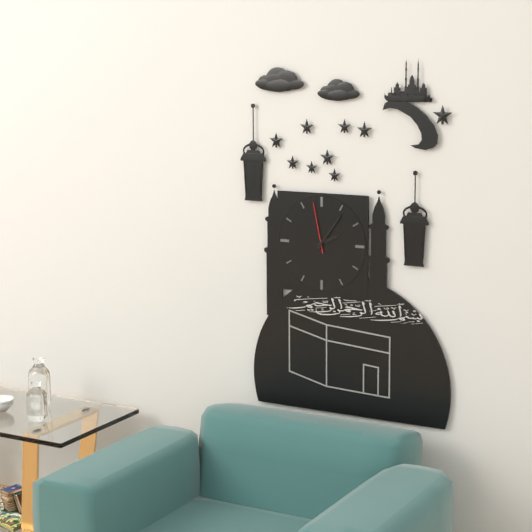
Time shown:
2,06,58
